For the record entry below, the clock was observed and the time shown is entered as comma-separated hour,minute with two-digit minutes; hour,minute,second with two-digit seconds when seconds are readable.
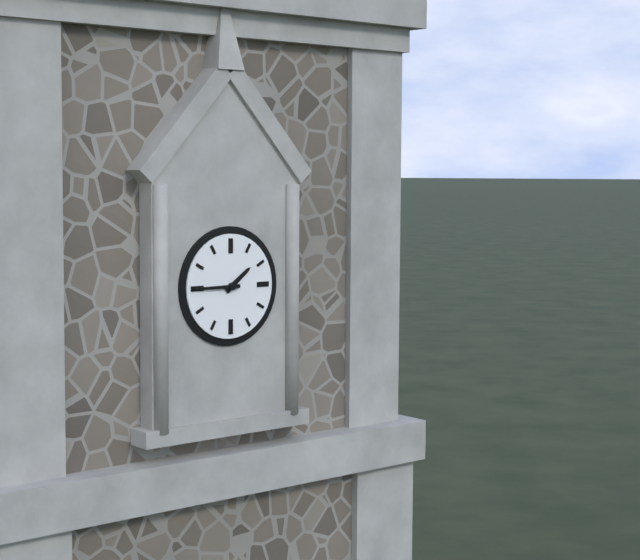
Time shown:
1,45
